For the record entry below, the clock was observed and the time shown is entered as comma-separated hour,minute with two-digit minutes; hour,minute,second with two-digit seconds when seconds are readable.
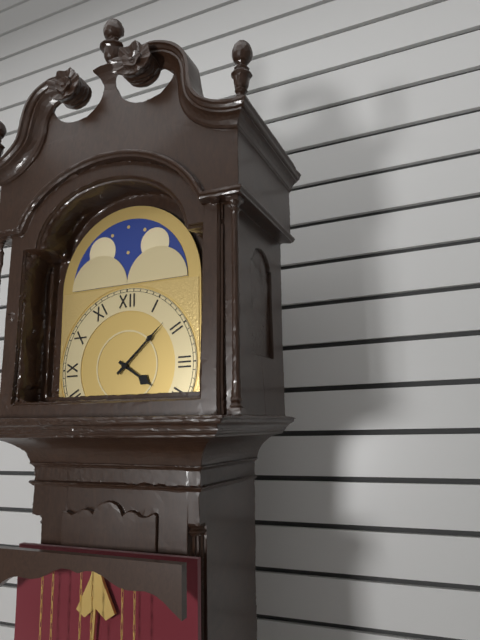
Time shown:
4,08
